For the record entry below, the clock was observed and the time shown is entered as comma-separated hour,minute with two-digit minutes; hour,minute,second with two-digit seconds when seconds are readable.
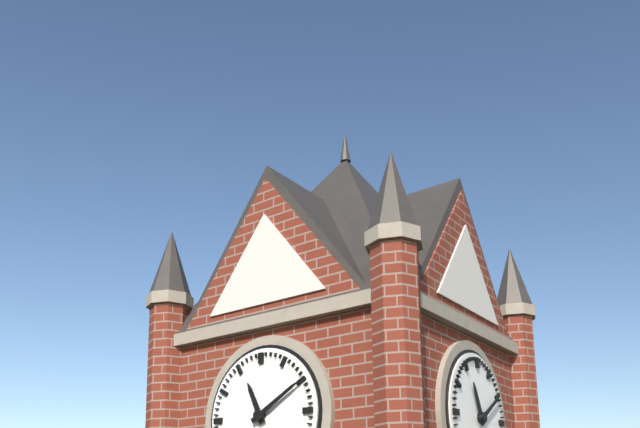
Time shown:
11,10
